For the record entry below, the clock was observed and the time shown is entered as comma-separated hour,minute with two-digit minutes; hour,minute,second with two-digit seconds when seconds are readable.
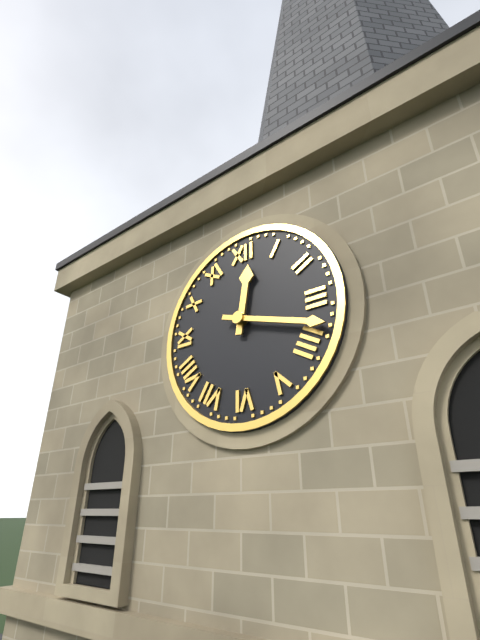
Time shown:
12,18
